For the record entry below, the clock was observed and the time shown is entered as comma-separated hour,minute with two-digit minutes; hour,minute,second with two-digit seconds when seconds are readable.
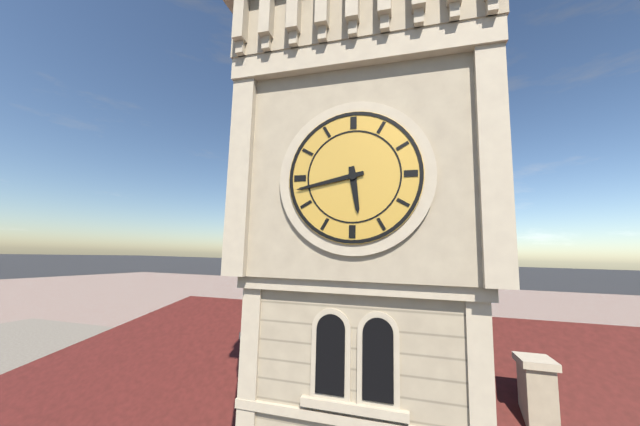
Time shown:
5,43
